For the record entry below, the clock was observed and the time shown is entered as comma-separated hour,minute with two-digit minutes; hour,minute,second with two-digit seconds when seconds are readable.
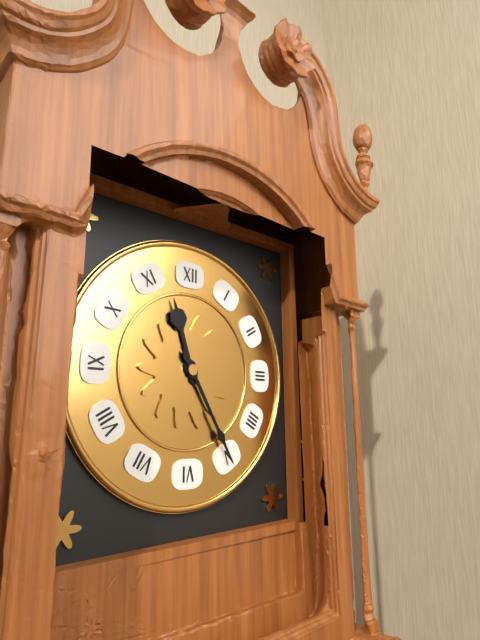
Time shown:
11,25
